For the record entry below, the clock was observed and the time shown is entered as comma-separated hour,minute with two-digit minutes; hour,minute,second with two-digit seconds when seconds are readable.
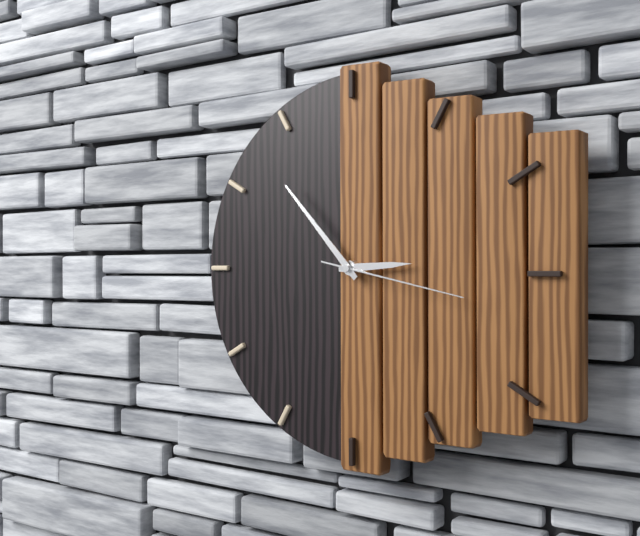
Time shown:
2,53,17
